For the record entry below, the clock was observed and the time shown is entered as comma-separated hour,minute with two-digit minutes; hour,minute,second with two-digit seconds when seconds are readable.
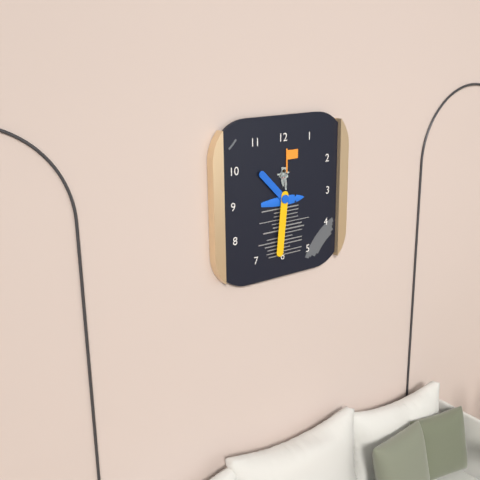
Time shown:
10,31
